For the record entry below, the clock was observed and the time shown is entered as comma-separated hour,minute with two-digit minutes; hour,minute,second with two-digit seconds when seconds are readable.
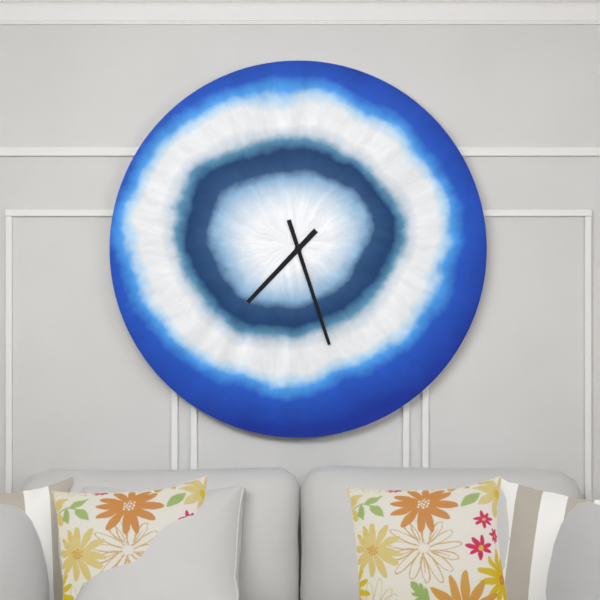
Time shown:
7,27
